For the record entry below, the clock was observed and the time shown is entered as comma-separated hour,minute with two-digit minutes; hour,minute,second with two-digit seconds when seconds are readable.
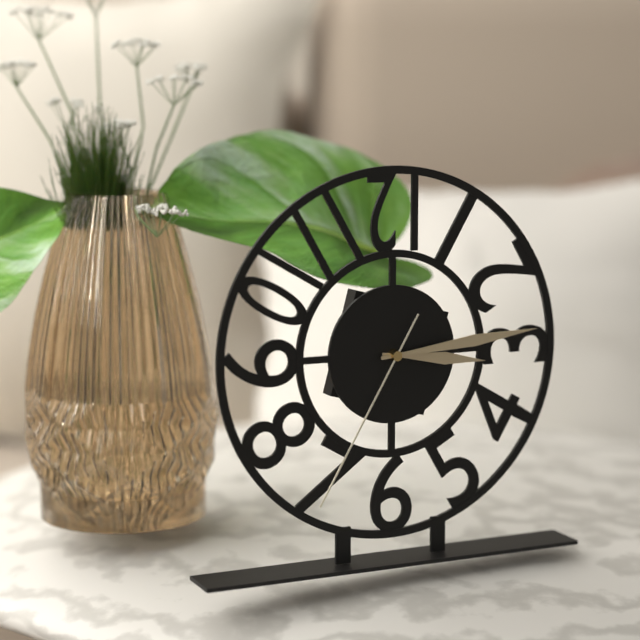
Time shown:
3,14,35
